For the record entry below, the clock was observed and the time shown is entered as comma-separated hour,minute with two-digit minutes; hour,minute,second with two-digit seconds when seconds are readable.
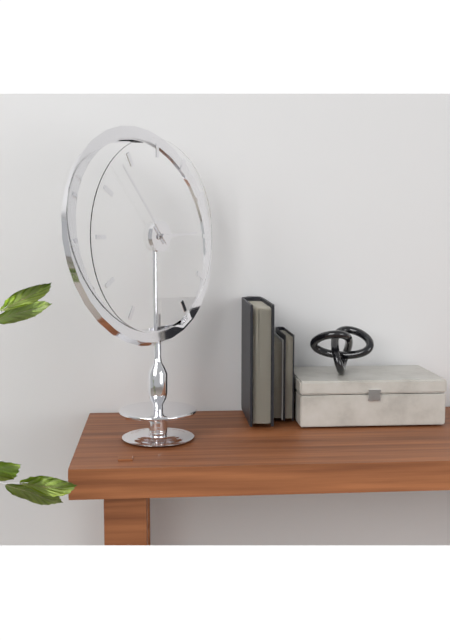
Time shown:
2,53
